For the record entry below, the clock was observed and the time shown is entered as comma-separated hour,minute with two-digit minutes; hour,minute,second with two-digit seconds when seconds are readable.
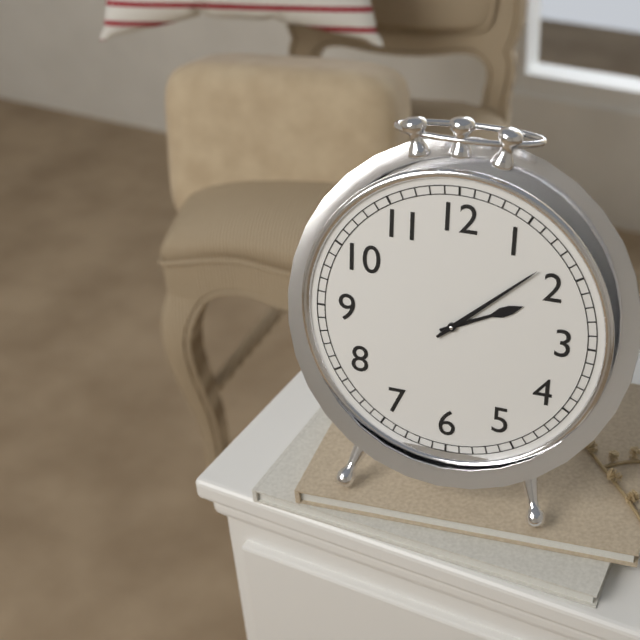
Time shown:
2,08
